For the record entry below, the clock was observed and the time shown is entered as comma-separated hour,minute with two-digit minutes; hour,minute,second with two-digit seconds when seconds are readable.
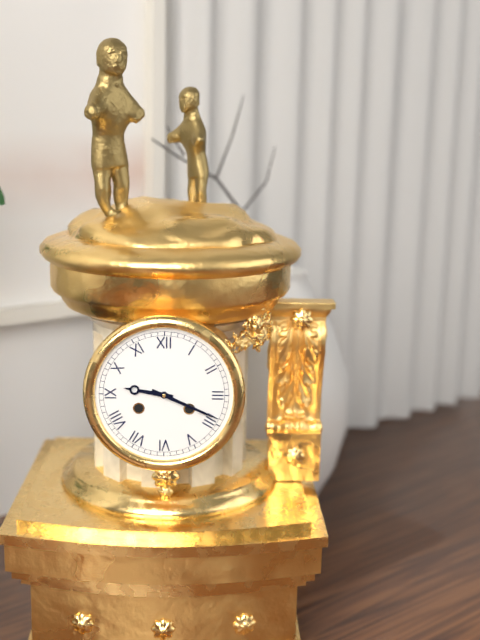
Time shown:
9,19
